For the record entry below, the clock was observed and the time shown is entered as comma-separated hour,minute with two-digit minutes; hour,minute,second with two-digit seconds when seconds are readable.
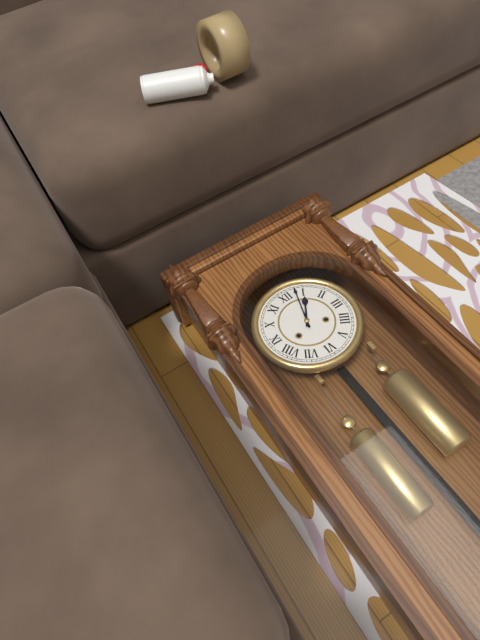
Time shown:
1,03
